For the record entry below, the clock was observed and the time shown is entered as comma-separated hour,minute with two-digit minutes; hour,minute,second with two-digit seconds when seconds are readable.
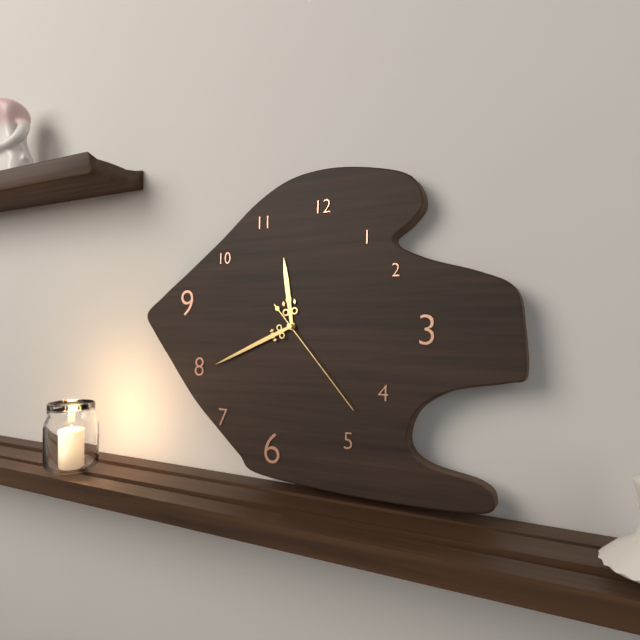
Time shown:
11,41,23
